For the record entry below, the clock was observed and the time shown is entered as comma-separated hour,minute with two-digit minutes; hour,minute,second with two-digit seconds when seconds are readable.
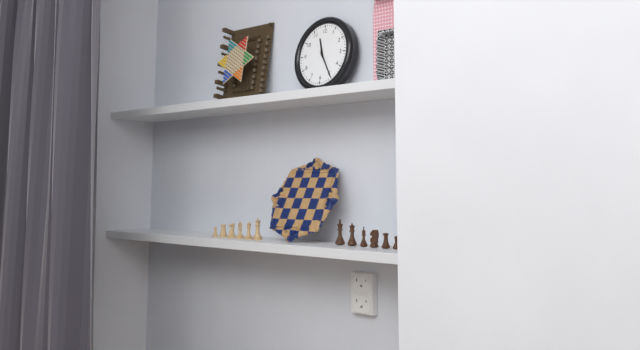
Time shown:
11,25
